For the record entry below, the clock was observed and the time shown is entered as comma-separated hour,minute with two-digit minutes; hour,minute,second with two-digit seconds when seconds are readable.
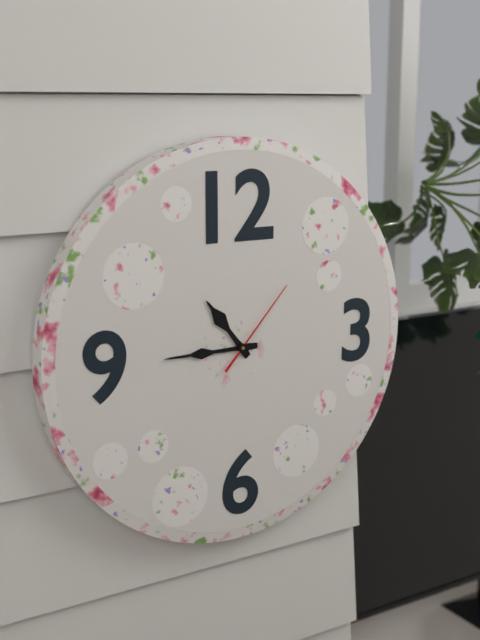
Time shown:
10,45,07
